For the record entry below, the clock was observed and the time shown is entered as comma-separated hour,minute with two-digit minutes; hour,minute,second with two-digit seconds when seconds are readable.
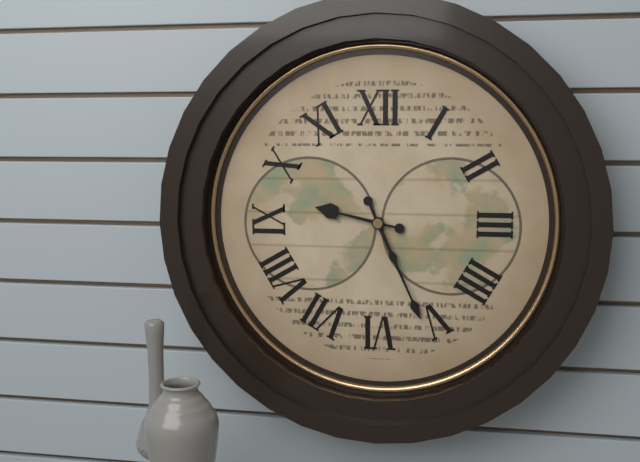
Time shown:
9,26
